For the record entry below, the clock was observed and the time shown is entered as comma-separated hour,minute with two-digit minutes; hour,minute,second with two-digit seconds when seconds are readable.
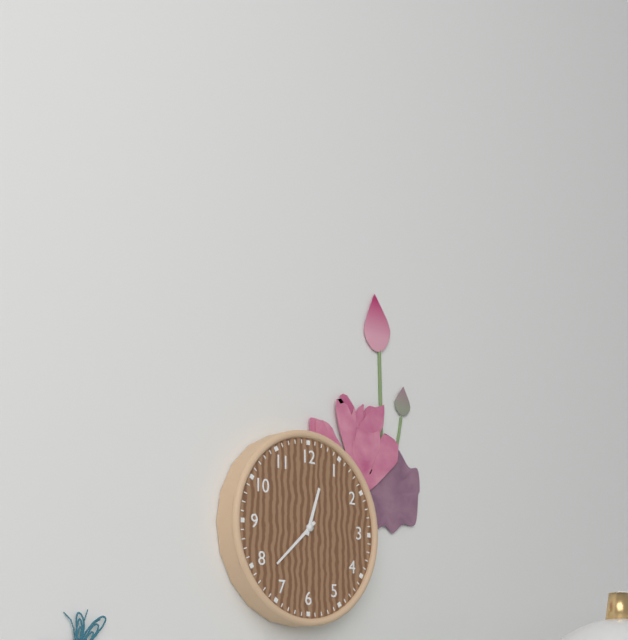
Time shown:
12,38
